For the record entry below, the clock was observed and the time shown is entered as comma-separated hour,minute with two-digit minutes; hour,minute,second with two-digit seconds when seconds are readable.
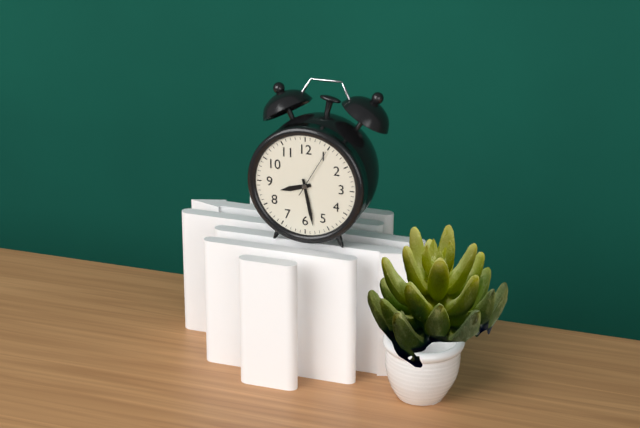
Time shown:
8,28,05
